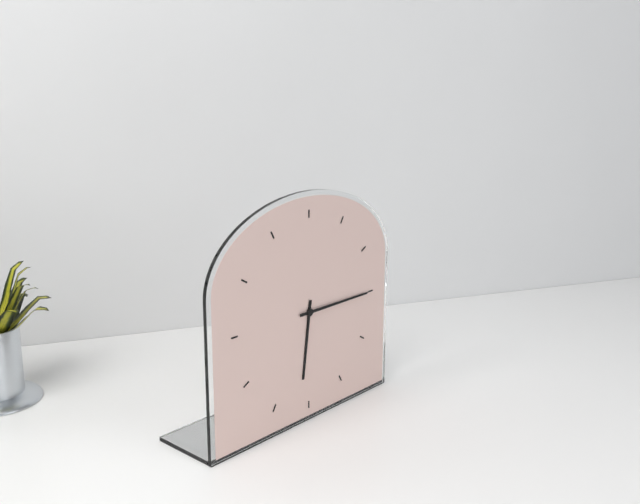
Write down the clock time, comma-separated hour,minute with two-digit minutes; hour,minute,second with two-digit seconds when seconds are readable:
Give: 6,15
